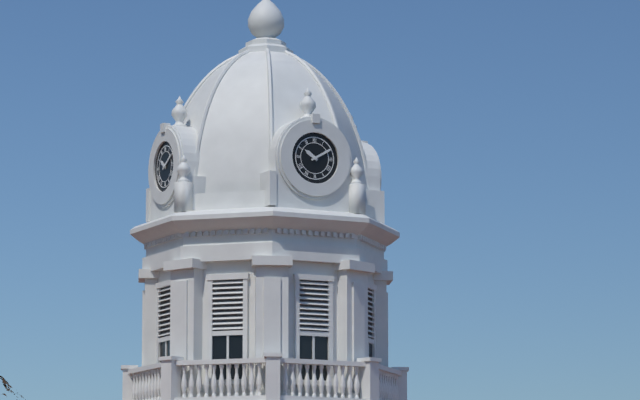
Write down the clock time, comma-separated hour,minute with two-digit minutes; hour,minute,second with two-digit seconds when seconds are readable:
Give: 10,10
